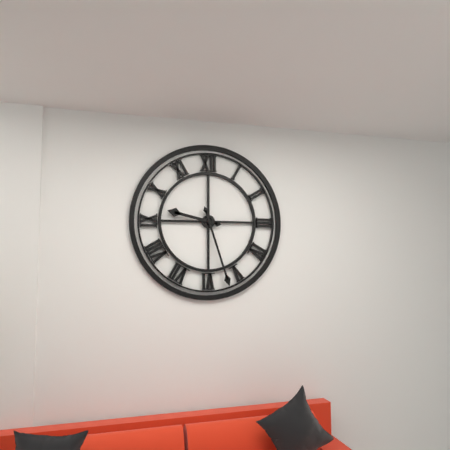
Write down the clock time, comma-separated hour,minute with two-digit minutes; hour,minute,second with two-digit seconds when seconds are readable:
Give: 9,27
